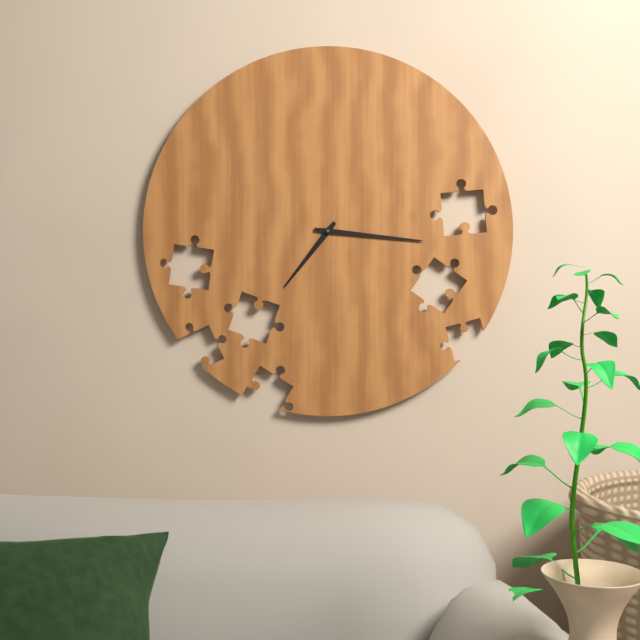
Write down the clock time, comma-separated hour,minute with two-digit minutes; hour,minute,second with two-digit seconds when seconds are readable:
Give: 7,16
